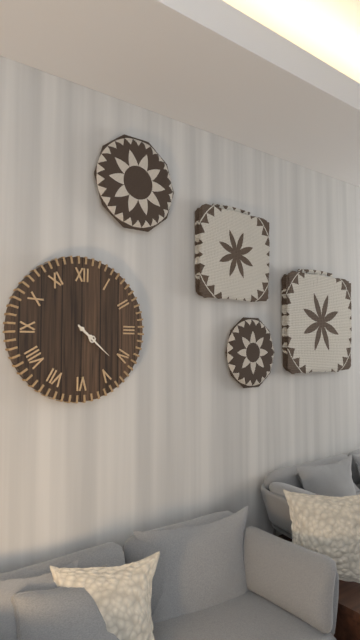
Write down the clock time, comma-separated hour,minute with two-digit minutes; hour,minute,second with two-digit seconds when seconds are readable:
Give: 4,22
